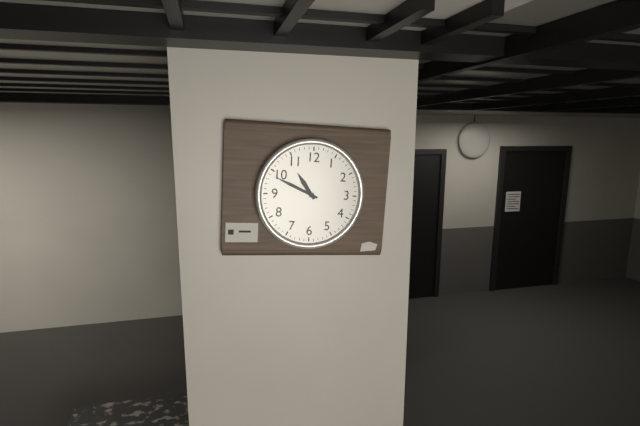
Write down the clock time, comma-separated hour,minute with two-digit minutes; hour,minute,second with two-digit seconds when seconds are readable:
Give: 10,49
